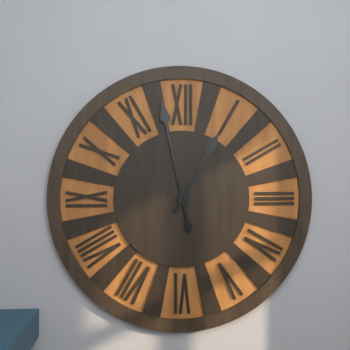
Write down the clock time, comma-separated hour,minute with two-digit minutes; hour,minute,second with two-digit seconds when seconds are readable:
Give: 12,58
